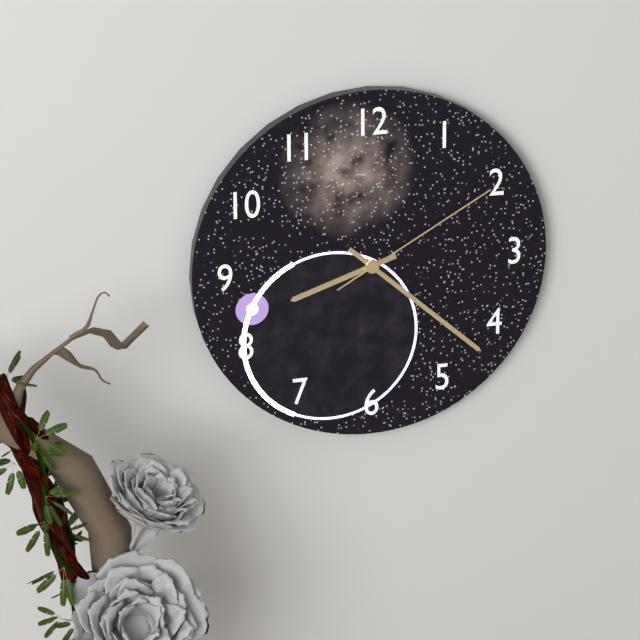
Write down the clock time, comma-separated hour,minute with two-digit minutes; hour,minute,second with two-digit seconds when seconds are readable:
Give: 8,22,10
